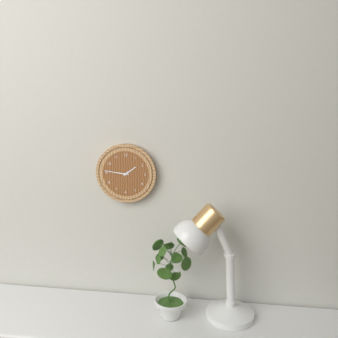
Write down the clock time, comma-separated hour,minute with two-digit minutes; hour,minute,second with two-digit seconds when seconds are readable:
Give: 1,46
